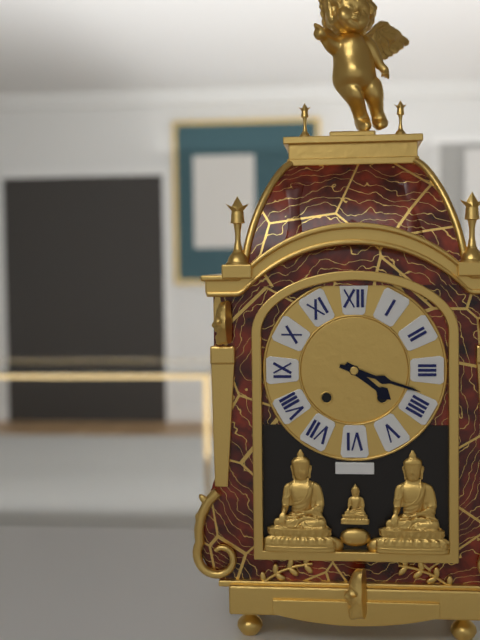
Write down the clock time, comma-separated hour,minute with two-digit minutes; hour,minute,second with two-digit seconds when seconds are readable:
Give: 4,18
